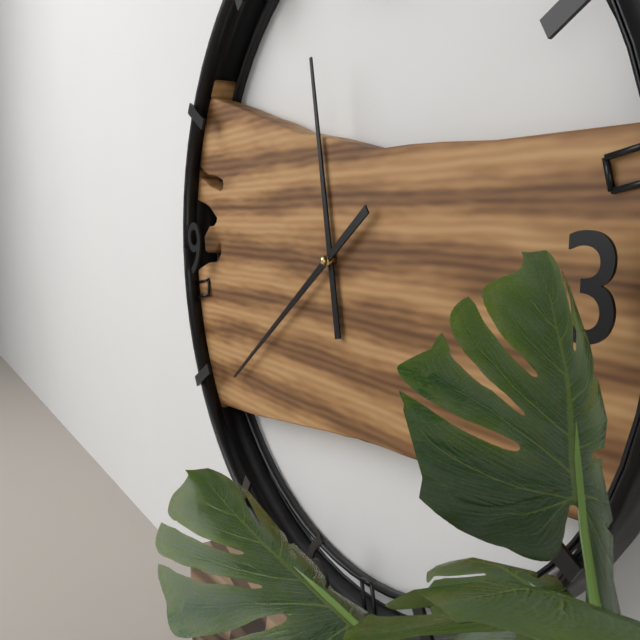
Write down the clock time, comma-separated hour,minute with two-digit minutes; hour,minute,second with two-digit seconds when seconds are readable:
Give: 11,39
